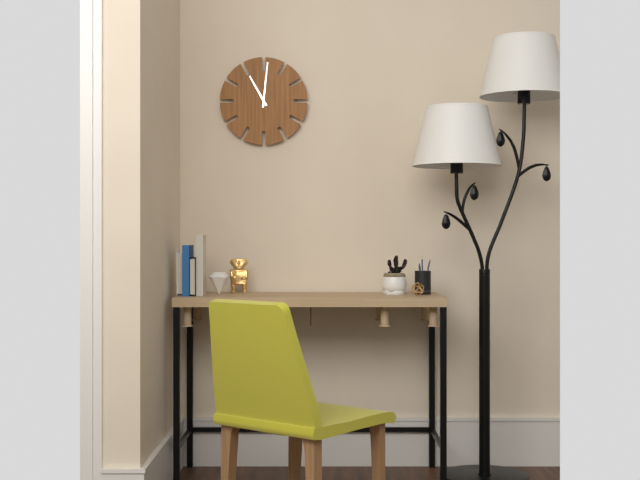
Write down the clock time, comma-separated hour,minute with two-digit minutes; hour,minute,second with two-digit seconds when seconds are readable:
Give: 11,01
